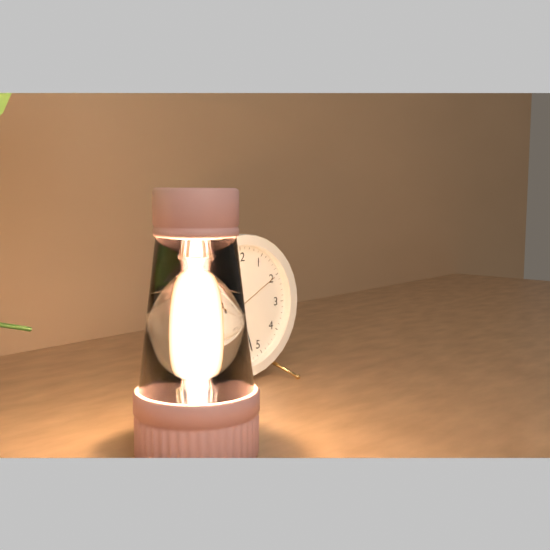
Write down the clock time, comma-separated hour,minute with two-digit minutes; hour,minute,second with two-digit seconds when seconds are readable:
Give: 6,27,10
